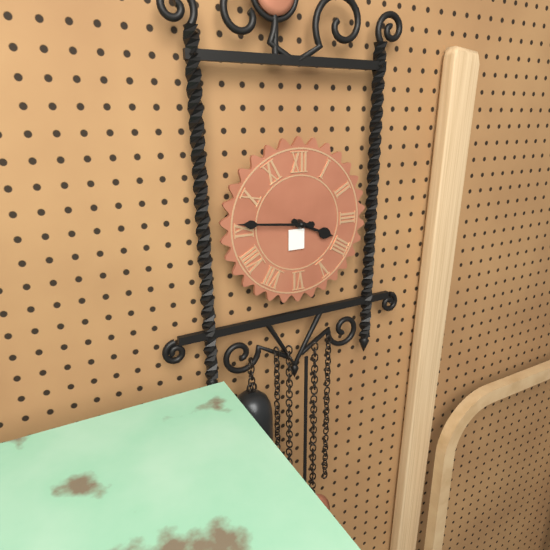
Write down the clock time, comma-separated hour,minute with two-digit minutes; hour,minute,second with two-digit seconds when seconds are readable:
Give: 3,46
